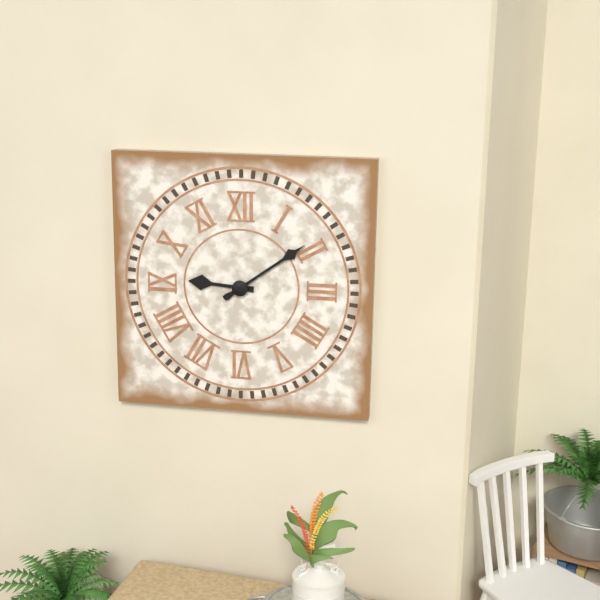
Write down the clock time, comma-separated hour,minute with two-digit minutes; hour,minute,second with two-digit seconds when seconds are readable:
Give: 9,09
